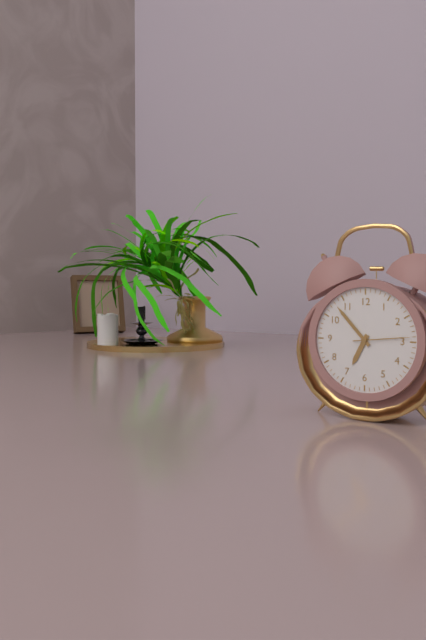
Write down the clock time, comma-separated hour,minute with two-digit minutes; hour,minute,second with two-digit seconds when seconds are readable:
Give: 6,53,14
